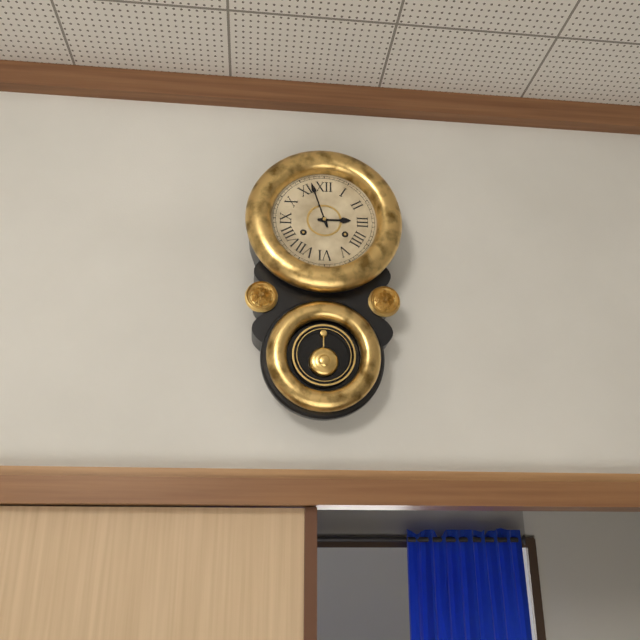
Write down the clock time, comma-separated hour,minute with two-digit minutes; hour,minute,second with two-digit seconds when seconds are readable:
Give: 2,57
